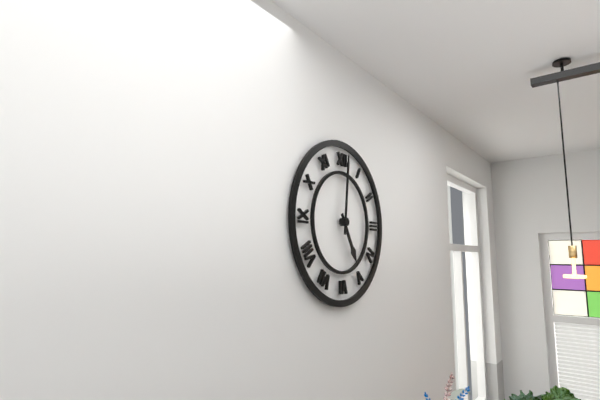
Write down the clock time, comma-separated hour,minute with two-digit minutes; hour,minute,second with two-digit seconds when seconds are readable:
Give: 5,01
